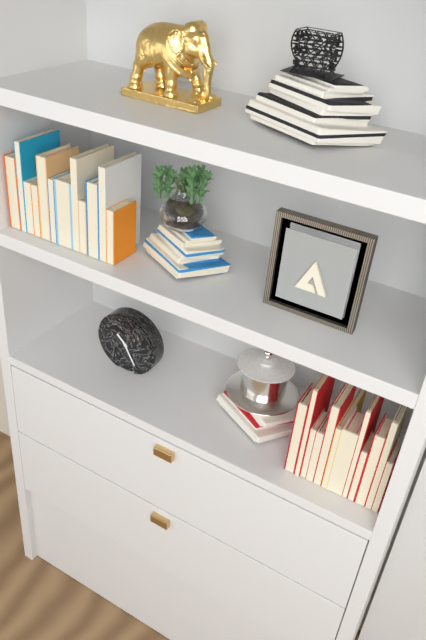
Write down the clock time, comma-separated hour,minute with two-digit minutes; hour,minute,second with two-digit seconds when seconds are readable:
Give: 10,25
